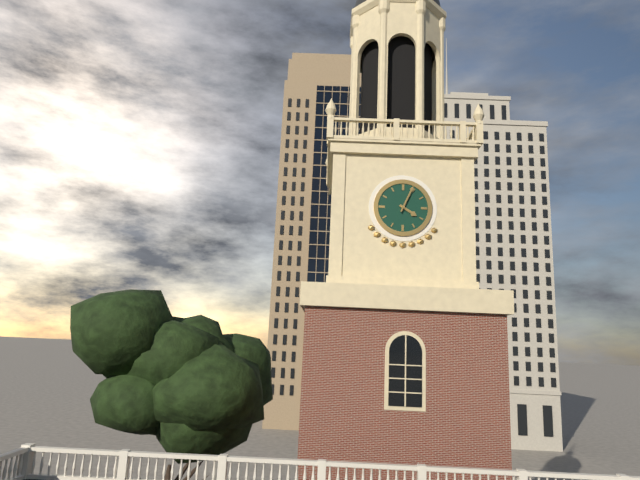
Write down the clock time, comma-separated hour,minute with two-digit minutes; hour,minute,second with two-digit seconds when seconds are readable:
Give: 4,04
